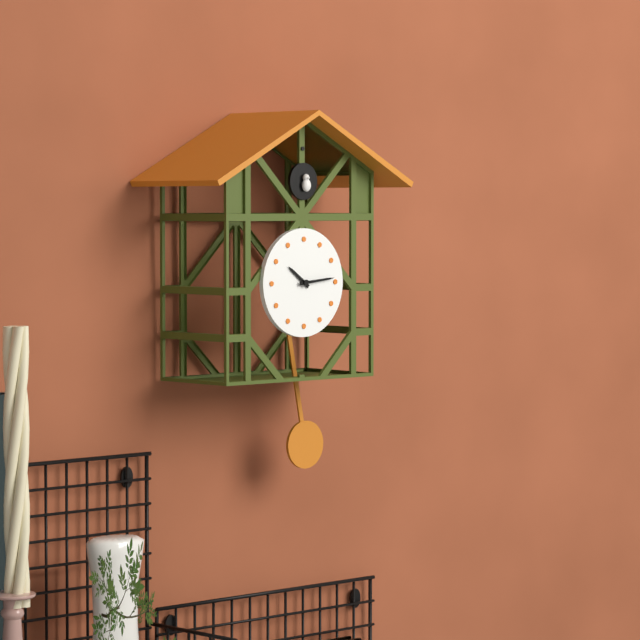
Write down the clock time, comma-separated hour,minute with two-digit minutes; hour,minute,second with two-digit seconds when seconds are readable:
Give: 10,14
